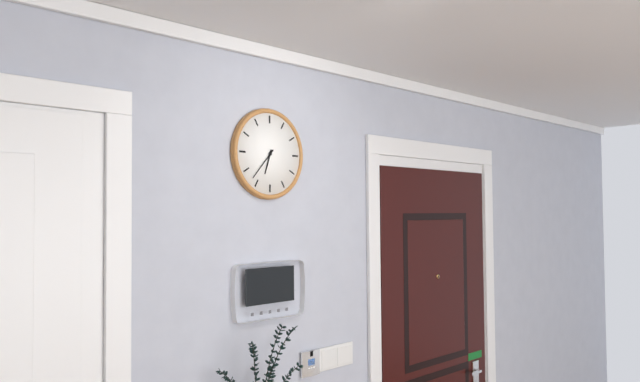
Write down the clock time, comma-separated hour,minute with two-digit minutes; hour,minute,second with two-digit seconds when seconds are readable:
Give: 6,37
